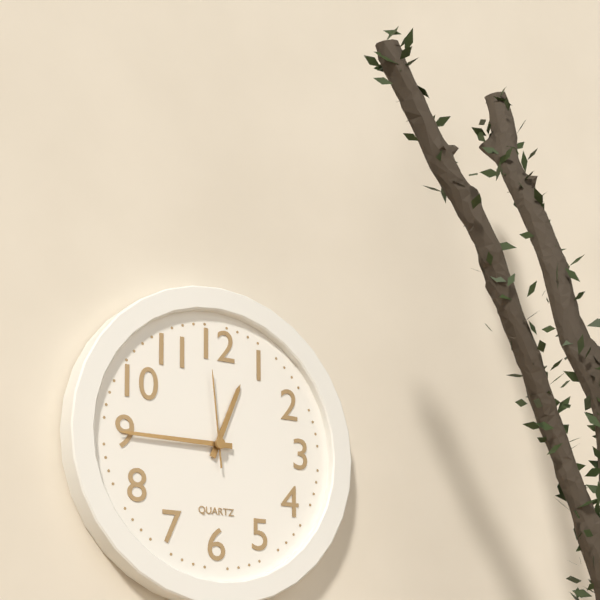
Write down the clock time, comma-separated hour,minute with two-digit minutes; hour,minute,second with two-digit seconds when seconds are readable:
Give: 12,45,59
